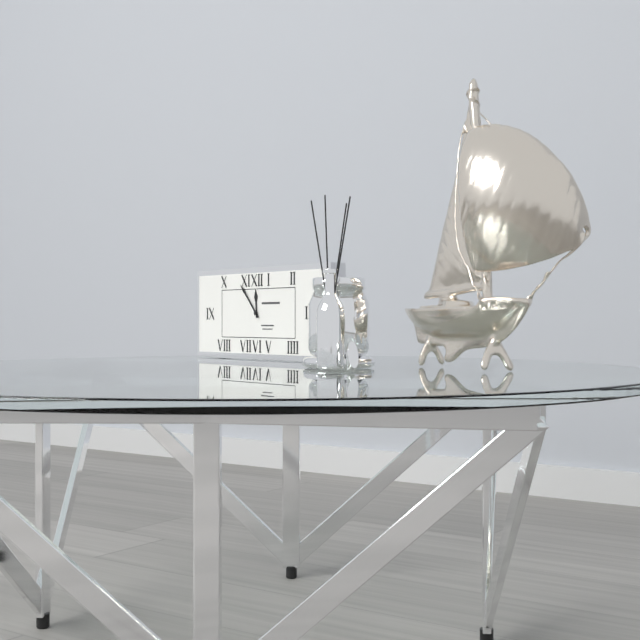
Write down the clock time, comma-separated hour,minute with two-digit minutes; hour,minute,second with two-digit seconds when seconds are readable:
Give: 11,53
